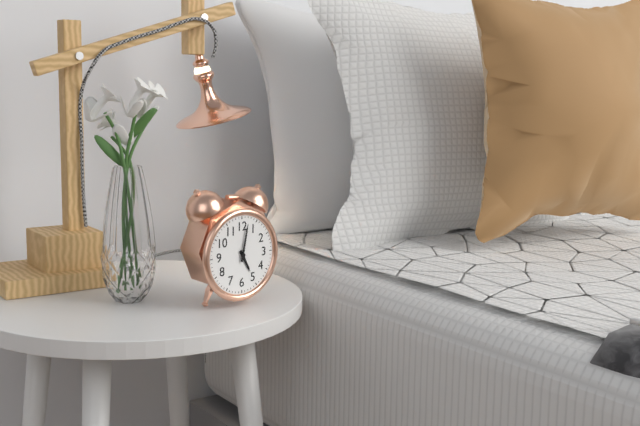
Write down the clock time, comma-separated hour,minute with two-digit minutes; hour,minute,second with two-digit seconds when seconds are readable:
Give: 5,02
